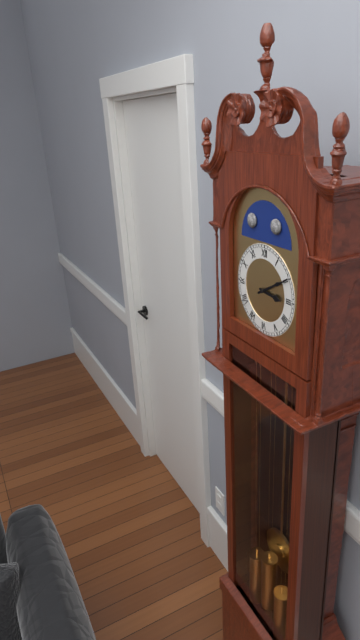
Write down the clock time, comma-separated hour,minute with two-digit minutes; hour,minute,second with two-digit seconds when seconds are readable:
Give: 3,10
